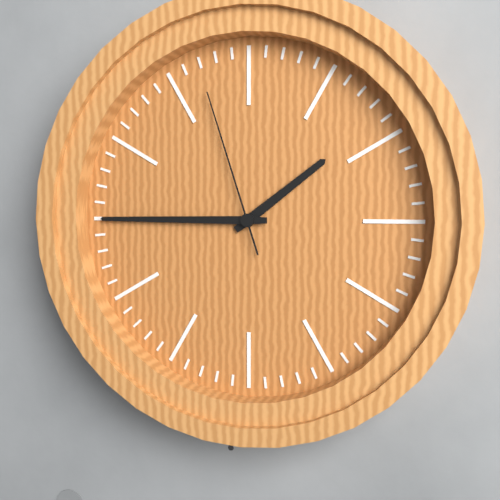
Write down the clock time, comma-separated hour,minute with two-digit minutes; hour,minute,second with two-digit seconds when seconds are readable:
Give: 1,45,57
